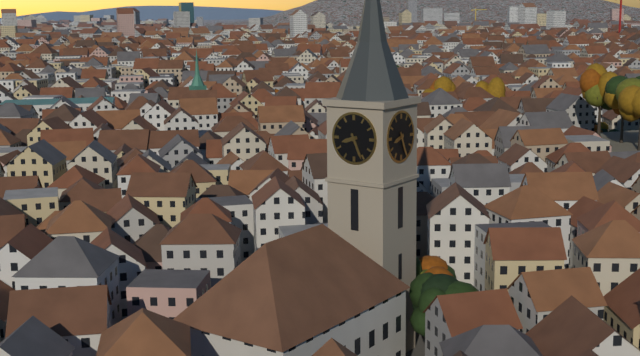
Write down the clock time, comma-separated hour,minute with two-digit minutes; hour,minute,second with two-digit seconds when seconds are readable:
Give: 8,26
